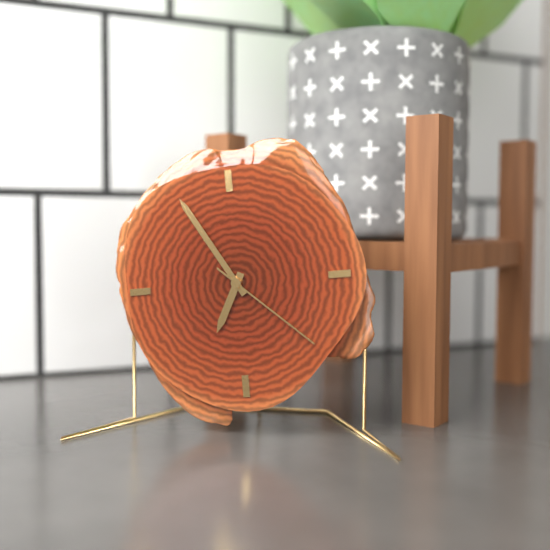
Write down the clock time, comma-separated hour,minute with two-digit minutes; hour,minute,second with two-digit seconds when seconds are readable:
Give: 6,55,22
